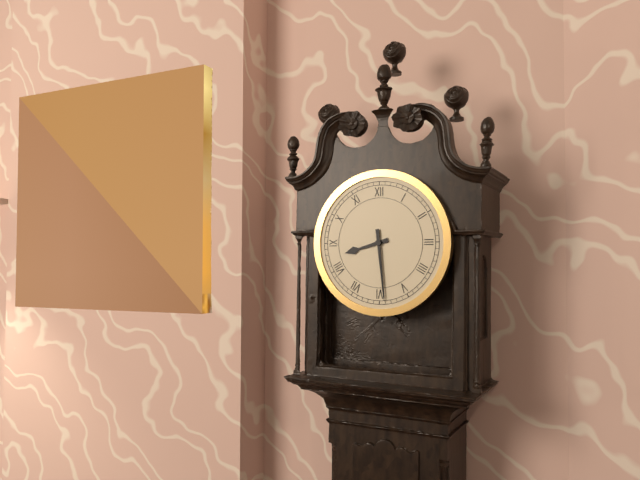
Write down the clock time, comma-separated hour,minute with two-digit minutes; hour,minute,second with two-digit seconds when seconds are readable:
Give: 8,29
